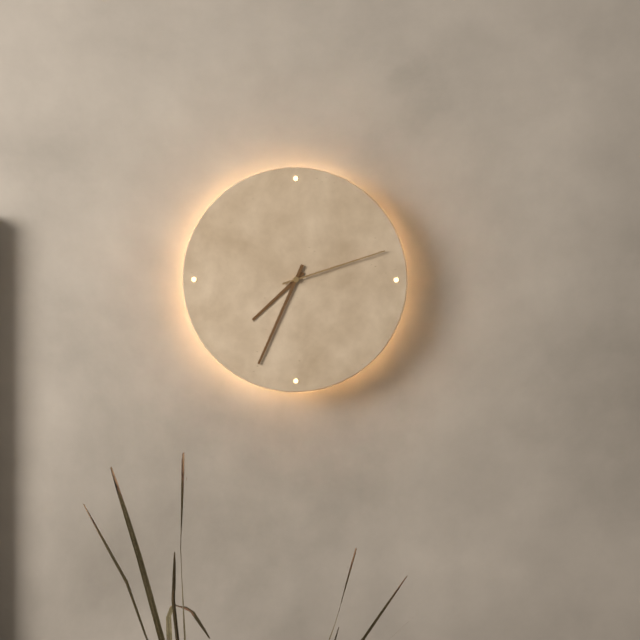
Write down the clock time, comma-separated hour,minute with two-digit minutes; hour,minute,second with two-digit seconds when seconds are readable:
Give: 7,34,12
